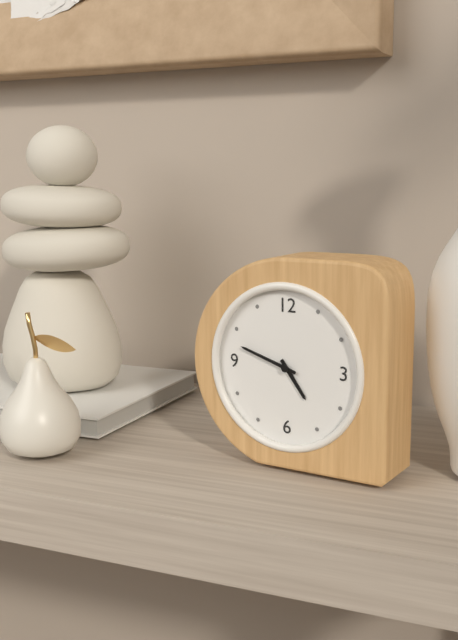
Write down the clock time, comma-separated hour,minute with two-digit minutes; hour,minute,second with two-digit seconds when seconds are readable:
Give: 4,48
